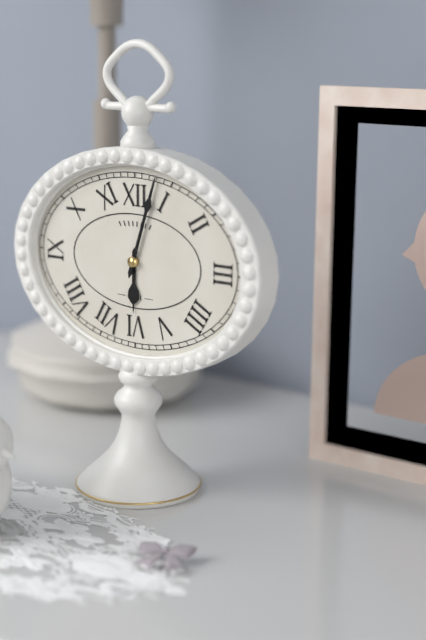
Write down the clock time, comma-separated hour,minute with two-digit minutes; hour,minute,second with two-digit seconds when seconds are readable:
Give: 6,03
